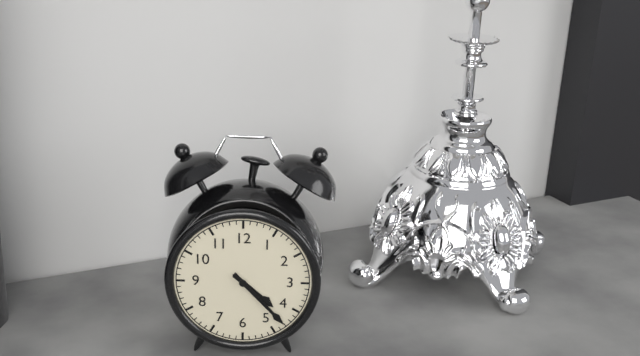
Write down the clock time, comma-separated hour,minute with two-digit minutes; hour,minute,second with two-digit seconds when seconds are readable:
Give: 4,23
